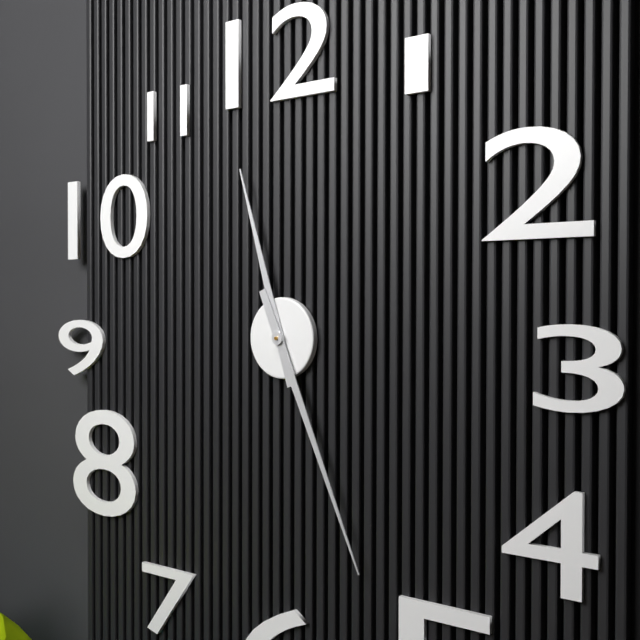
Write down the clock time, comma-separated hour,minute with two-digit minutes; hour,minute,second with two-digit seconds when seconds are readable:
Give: 11,26
